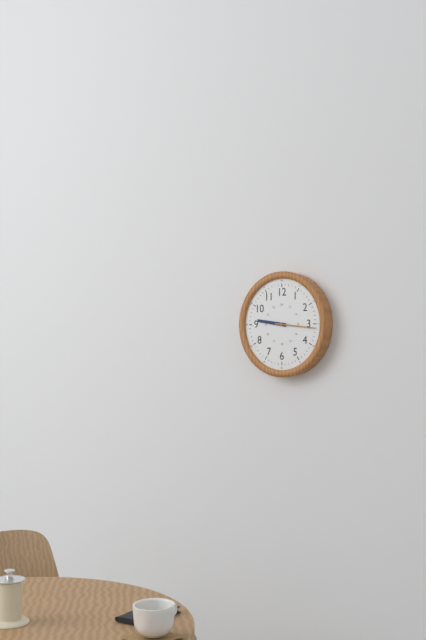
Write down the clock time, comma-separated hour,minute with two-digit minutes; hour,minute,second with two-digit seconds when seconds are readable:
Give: 9,16
